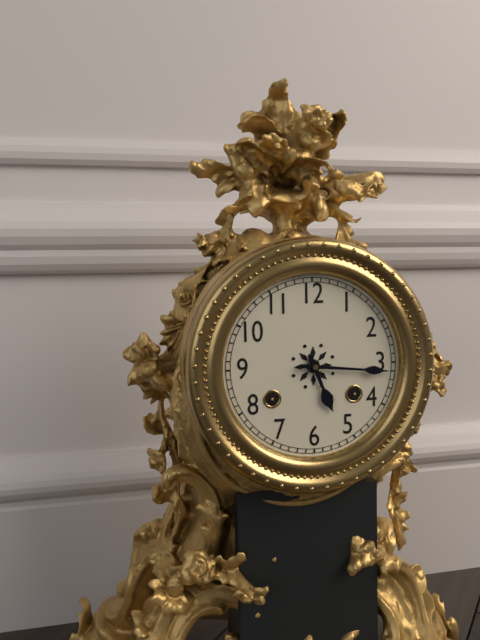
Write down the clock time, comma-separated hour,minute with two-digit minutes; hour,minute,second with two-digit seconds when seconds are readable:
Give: 5,16
